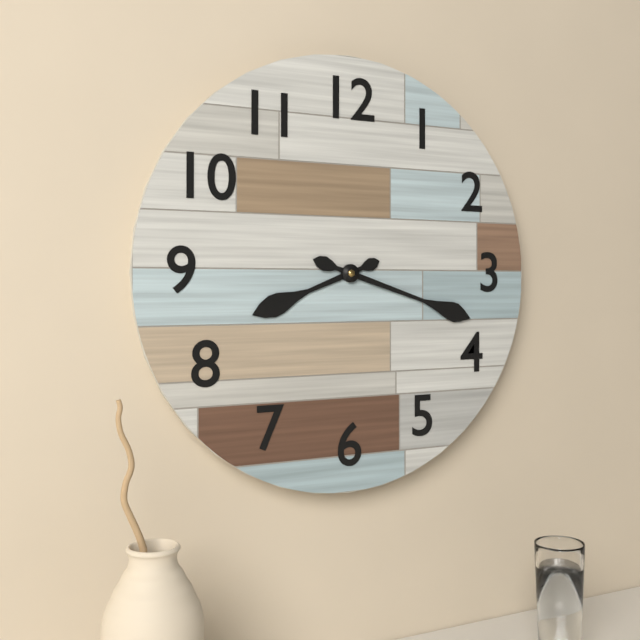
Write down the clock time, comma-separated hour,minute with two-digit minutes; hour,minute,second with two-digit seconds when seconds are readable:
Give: 8,18
